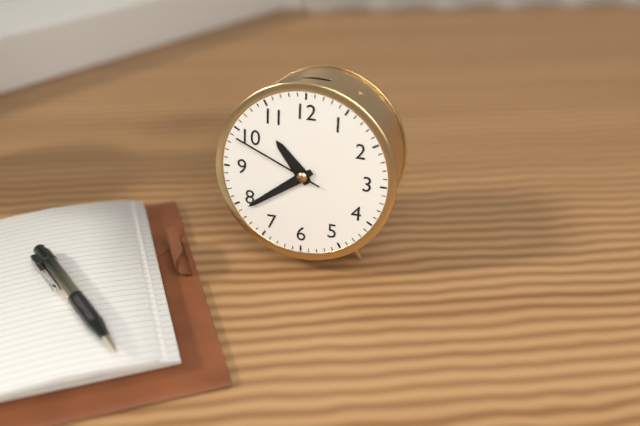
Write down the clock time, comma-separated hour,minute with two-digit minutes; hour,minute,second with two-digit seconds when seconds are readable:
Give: 10,39,49
